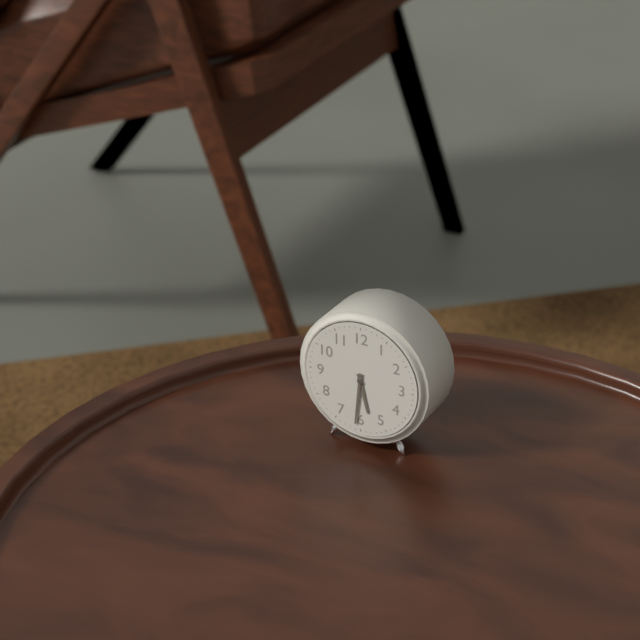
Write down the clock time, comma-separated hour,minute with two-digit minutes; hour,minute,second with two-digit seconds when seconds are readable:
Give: 5,31
